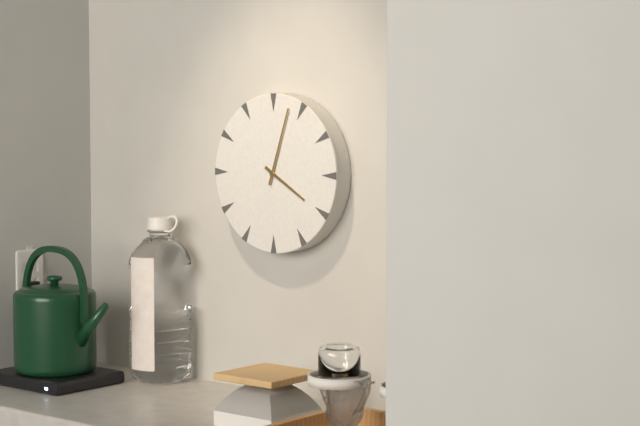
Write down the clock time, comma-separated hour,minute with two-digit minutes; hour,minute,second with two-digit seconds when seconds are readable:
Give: 4,03
